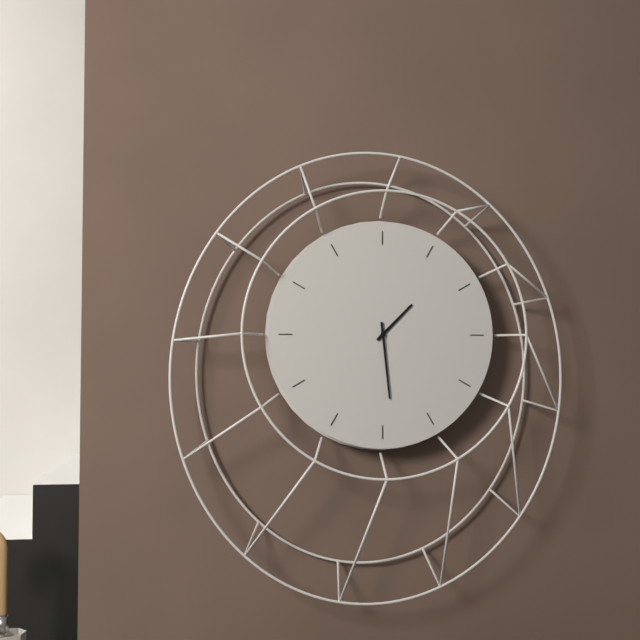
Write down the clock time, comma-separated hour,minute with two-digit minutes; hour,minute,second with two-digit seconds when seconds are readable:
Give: 1,29
